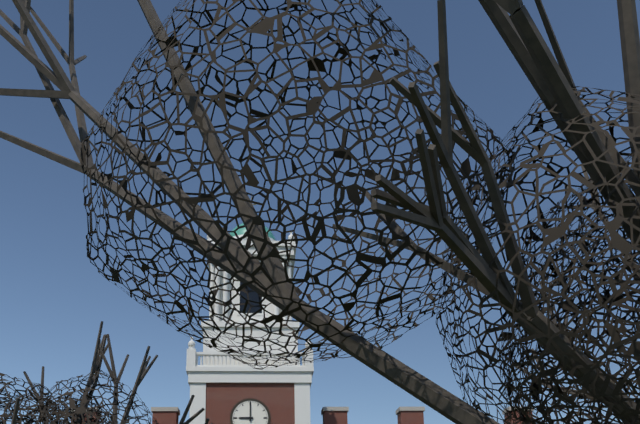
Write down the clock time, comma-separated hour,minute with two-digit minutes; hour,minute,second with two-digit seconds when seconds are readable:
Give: 9,00
